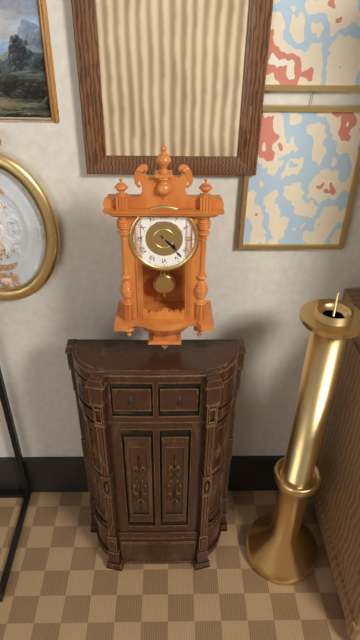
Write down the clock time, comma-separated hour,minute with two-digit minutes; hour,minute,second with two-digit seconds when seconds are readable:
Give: 4,23
